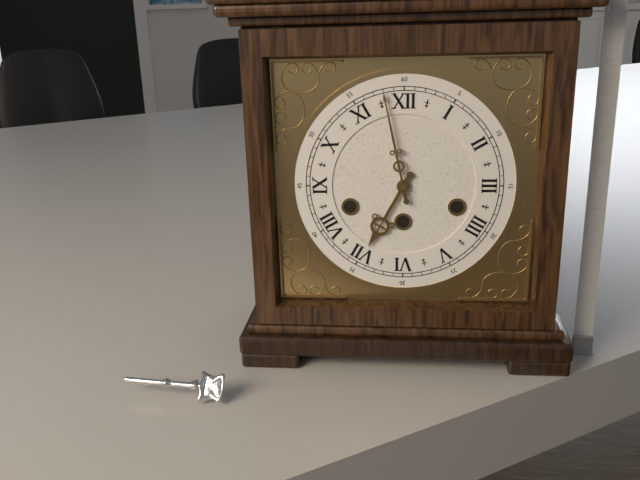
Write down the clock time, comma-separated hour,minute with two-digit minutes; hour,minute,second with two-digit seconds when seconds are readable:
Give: 6,58
